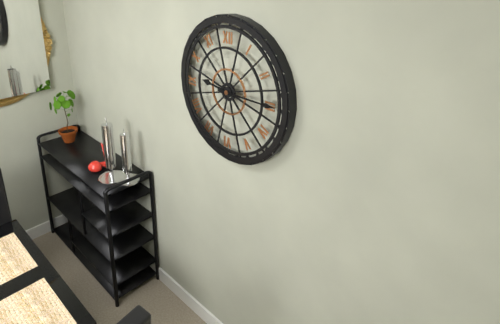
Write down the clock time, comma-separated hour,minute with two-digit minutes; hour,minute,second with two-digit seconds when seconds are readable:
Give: 9,15
